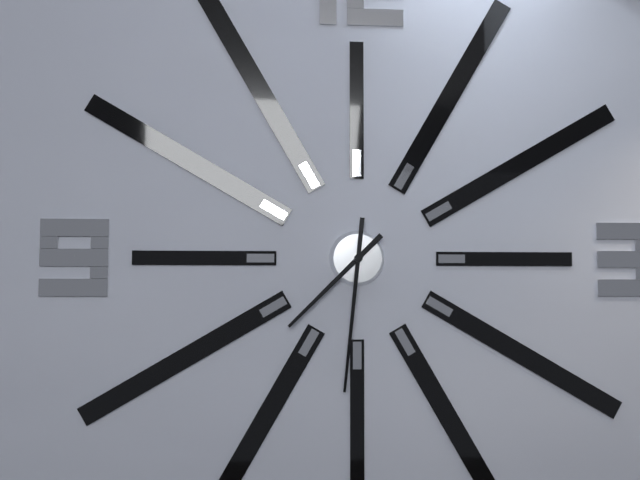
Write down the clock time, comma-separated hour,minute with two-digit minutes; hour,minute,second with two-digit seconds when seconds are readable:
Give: 7,31
